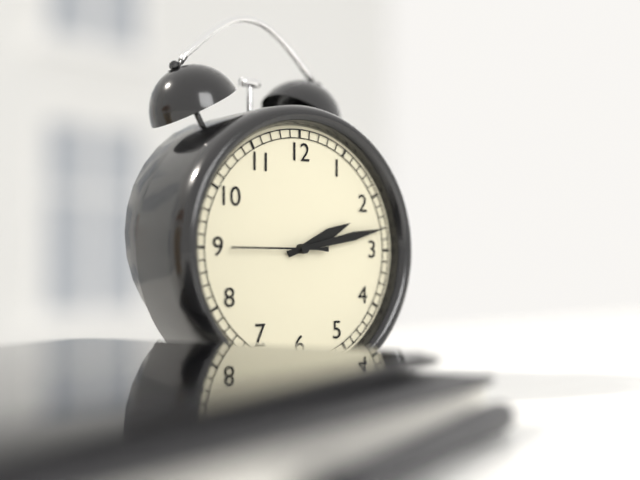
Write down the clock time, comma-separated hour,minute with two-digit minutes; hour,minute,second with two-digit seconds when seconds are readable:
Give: 2,13,45
